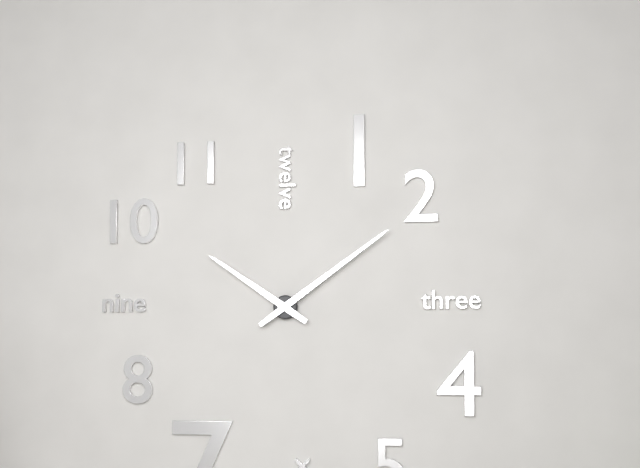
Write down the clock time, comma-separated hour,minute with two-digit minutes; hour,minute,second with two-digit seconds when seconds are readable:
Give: 10,09
